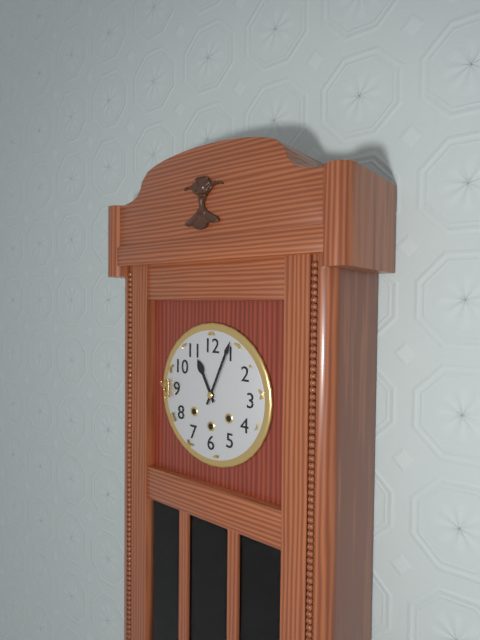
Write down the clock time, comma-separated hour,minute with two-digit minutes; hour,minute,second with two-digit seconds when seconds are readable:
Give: 11,04
